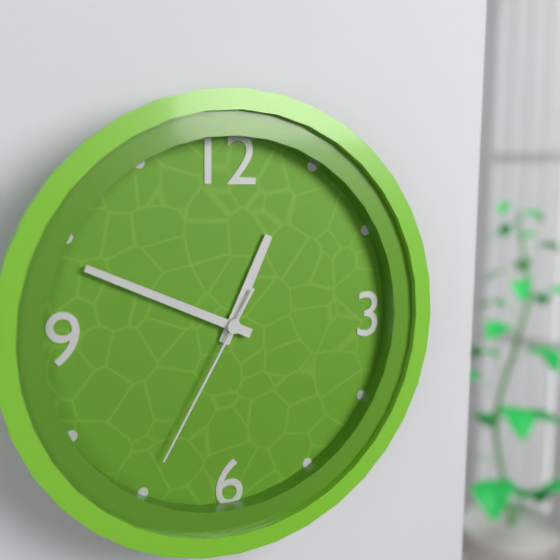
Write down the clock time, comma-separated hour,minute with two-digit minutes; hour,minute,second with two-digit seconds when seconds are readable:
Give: 12,49,35
